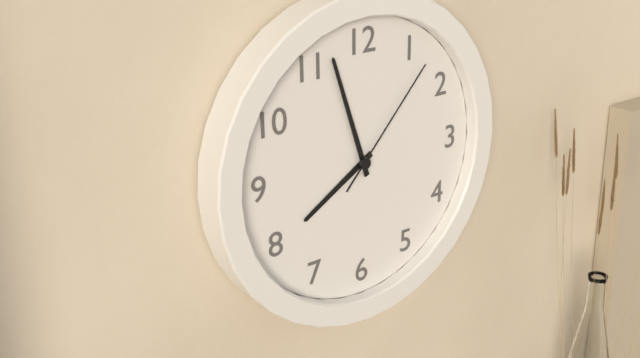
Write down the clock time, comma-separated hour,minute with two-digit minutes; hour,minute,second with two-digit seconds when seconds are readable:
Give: 7,57,07
